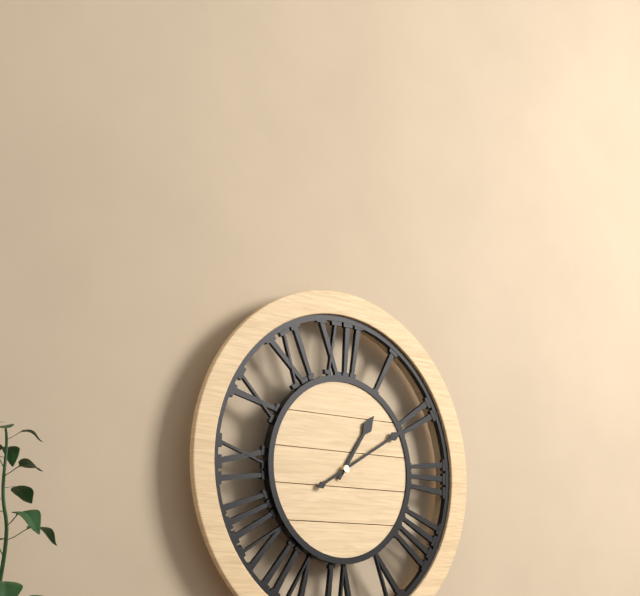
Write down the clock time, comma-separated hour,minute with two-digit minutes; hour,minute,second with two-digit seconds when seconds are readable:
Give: 1,10
